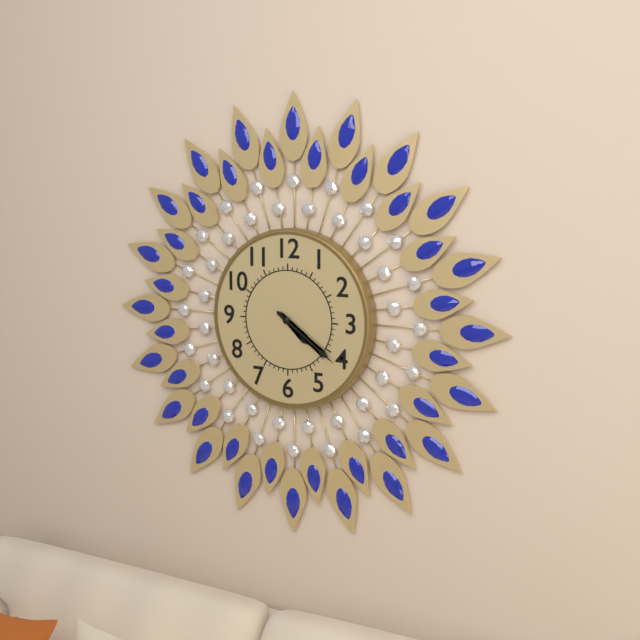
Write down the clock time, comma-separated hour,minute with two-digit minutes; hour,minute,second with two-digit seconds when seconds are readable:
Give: 4,21
